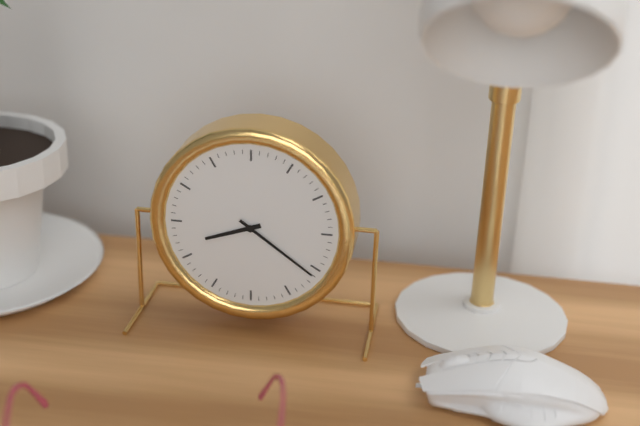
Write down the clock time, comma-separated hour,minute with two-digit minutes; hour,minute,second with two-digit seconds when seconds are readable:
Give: 8,21
